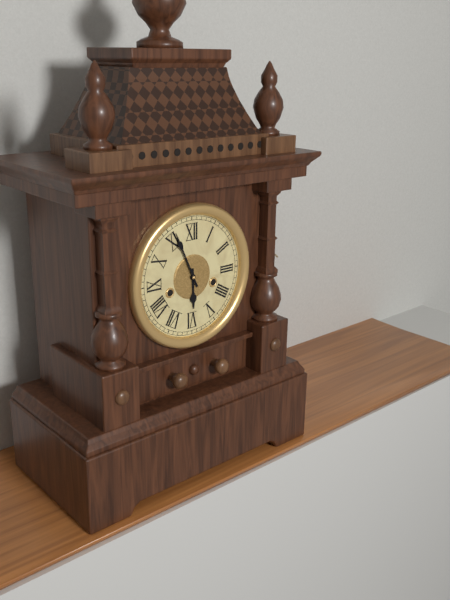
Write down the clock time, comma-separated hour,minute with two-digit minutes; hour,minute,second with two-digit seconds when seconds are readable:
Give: 5,56
